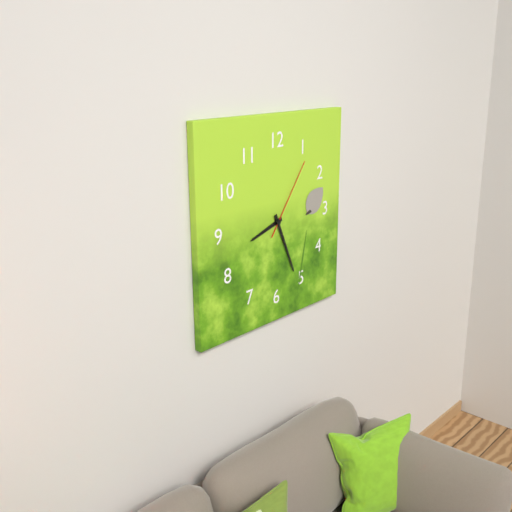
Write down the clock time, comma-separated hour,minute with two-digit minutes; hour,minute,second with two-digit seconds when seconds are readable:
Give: 8,26,06
